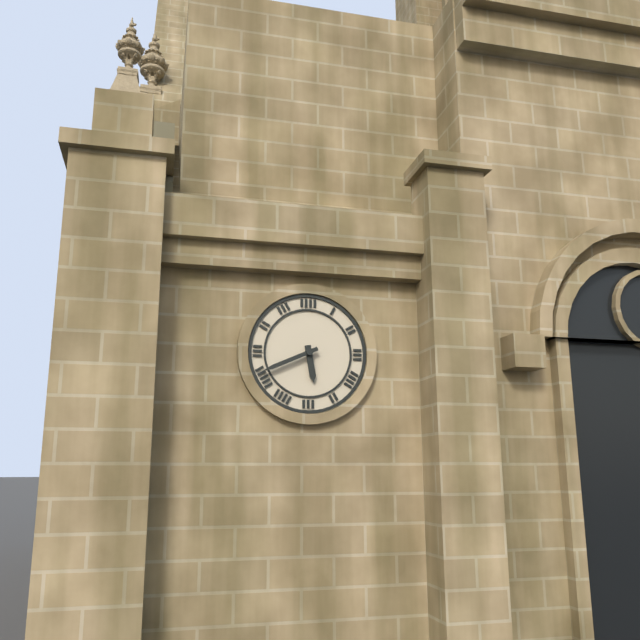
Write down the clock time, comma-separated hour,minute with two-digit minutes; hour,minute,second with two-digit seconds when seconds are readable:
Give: 5,41
